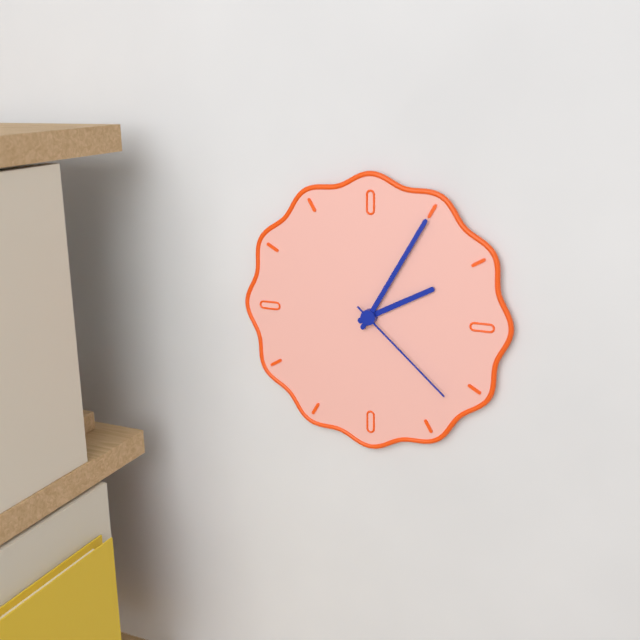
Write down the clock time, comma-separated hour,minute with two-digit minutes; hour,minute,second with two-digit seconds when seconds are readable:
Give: 2,05,22
